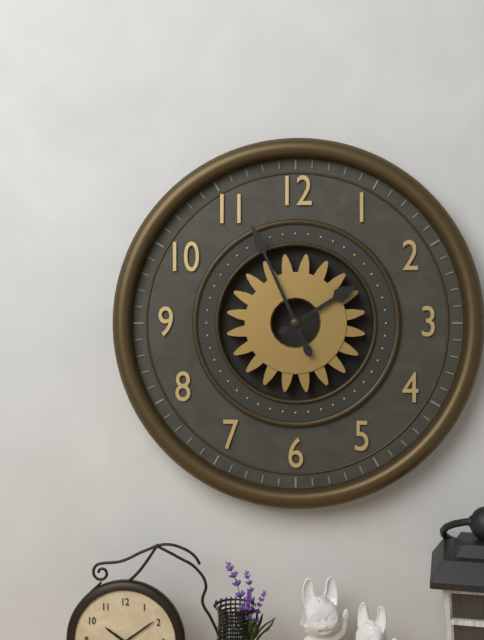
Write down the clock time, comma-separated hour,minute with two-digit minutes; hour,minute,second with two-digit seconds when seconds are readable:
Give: 1,56
